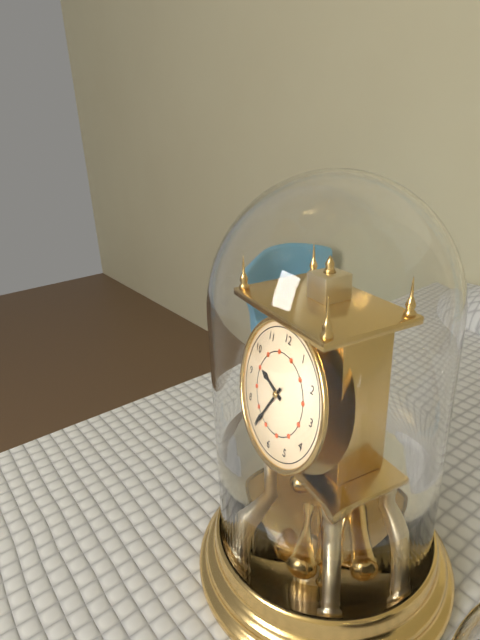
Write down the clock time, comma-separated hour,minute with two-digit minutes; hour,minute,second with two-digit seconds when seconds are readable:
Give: 9,35
